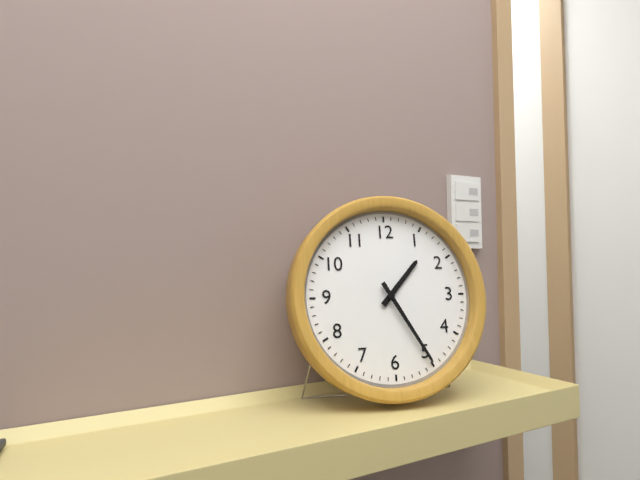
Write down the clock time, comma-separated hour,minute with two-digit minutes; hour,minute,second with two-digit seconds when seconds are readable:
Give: 1,25
